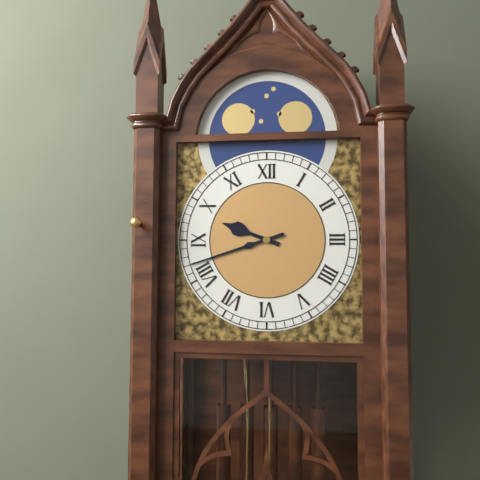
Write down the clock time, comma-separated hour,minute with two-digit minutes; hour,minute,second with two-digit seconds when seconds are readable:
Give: 9,42
